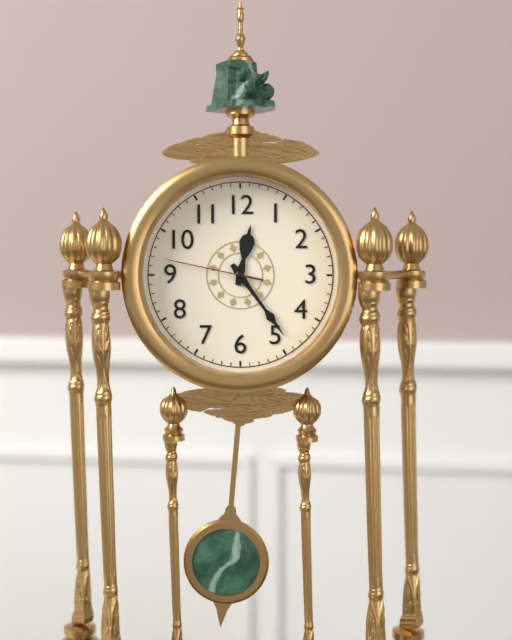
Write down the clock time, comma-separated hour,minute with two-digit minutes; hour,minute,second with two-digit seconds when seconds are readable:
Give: 12,24,47
